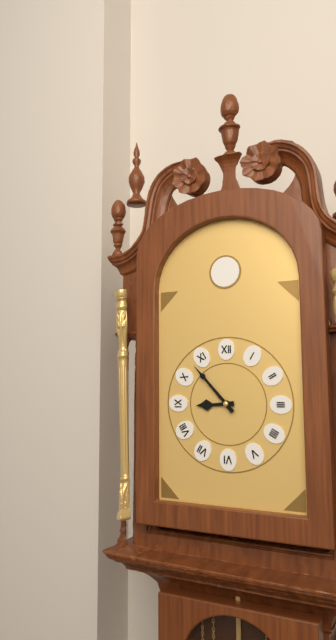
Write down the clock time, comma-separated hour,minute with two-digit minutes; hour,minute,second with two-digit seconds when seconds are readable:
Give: 8,53
